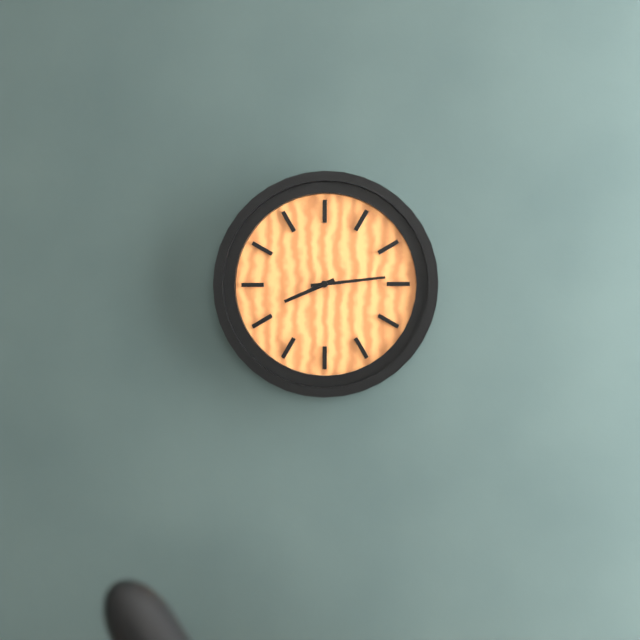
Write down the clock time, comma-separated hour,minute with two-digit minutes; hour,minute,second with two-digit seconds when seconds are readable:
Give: 8,14
